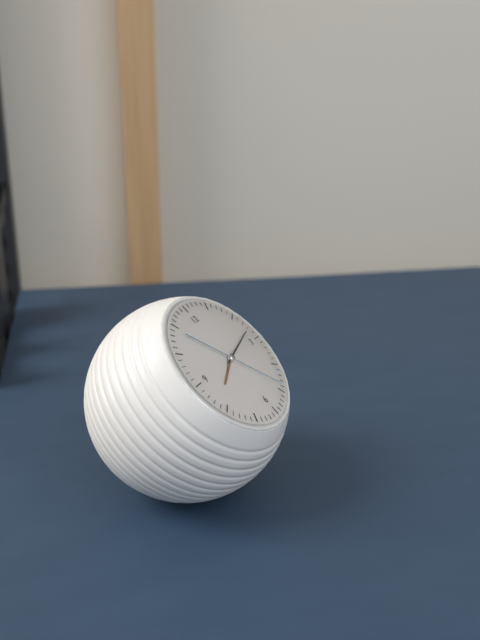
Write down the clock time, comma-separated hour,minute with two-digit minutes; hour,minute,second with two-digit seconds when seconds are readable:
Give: 8,13,24
